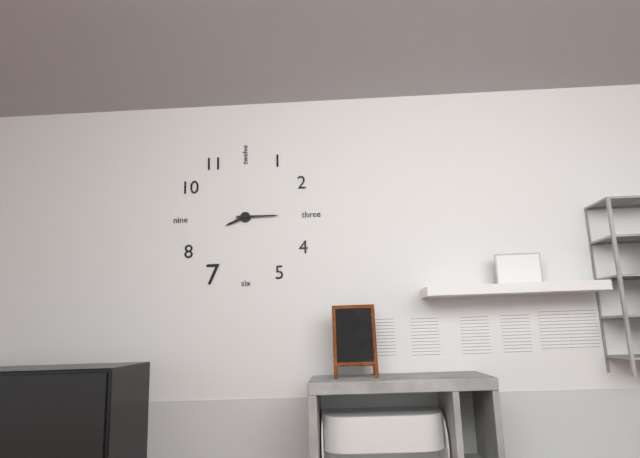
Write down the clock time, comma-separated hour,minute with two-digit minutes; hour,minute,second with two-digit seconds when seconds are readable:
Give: 8,15
